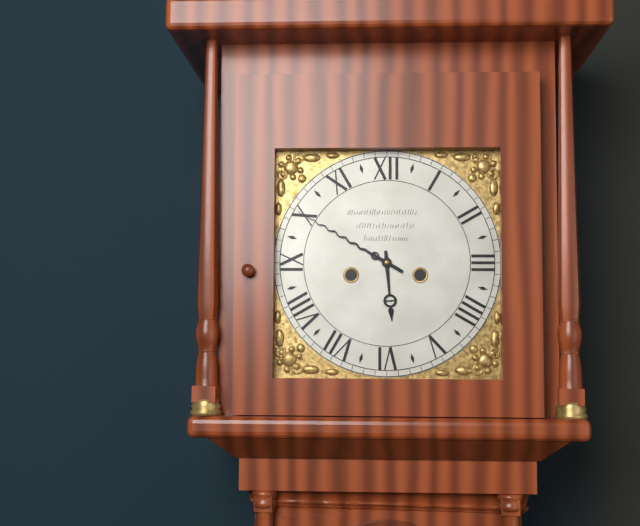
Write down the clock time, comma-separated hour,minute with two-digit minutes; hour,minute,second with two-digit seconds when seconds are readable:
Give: 5,50
